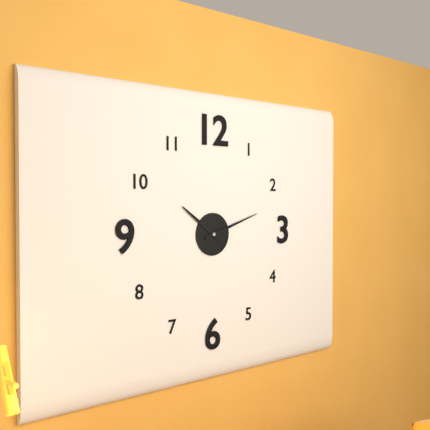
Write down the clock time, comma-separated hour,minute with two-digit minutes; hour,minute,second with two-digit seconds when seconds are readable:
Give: 10,12
